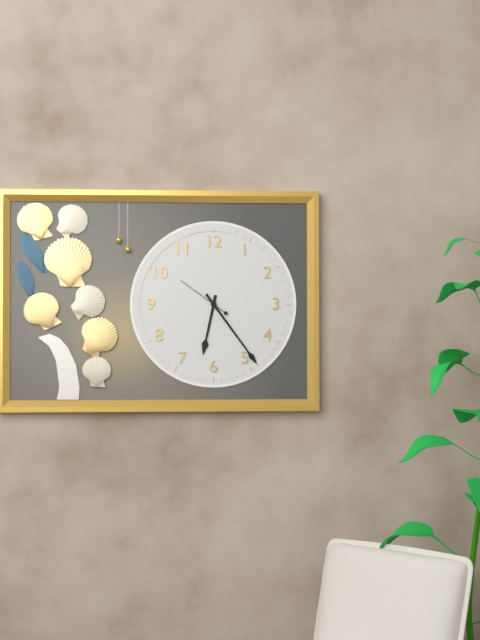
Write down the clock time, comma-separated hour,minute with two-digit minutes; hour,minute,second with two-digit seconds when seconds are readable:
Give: 6,24,51
